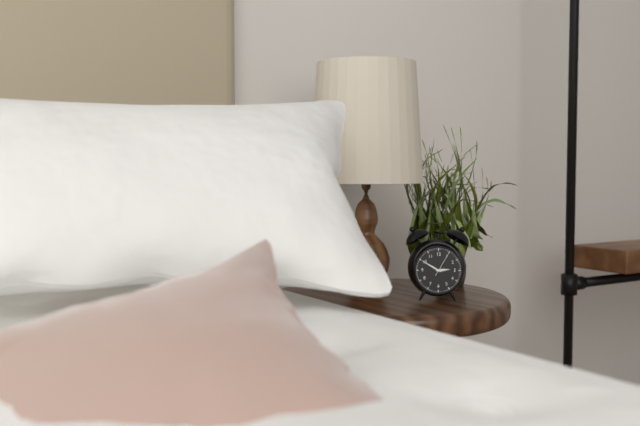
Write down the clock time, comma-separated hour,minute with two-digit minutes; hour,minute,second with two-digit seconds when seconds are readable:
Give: 2,50
